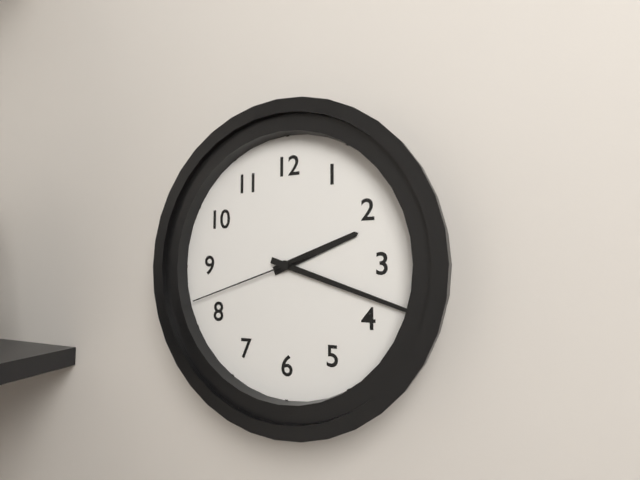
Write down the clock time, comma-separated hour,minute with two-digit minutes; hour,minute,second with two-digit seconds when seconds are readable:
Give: 2,18,42
